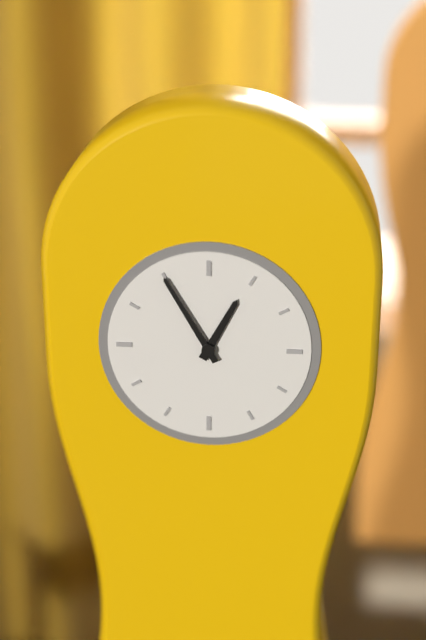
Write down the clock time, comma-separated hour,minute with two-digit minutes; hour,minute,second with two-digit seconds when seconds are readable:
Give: 12,55
